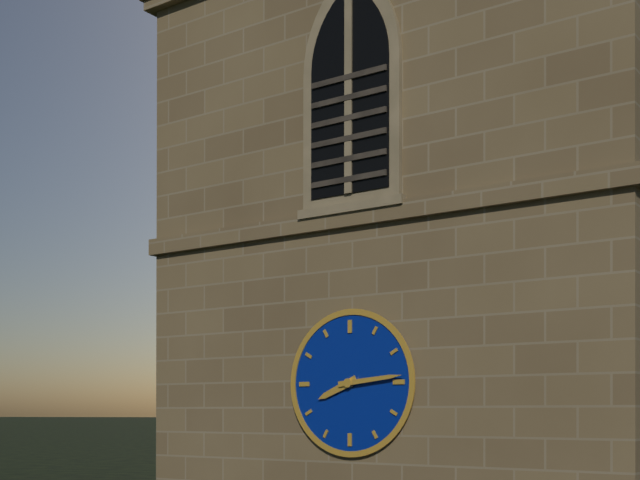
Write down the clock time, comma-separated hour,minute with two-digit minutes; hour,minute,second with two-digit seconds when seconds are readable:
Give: 8,14
